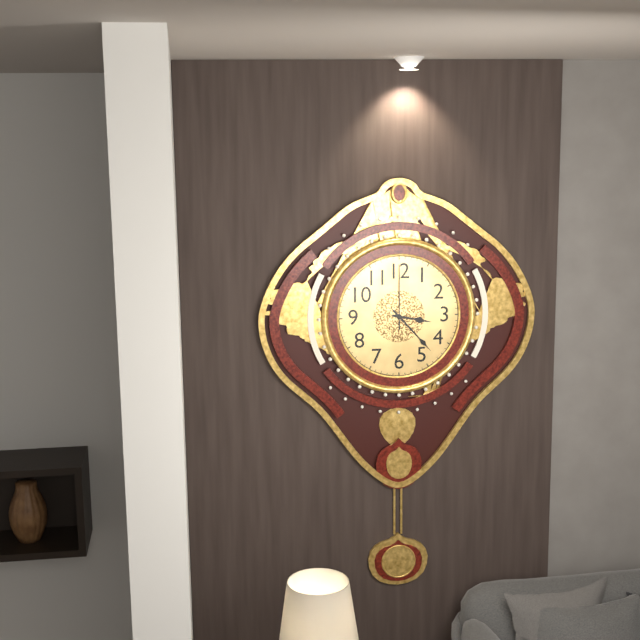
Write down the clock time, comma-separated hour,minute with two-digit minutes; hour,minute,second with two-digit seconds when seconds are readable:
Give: 3,23,00
